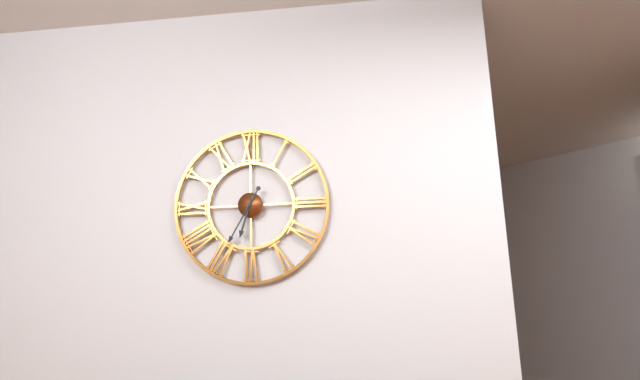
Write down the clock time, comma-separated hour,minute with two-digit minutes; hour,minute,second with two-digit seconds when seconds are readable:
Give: 6,35
